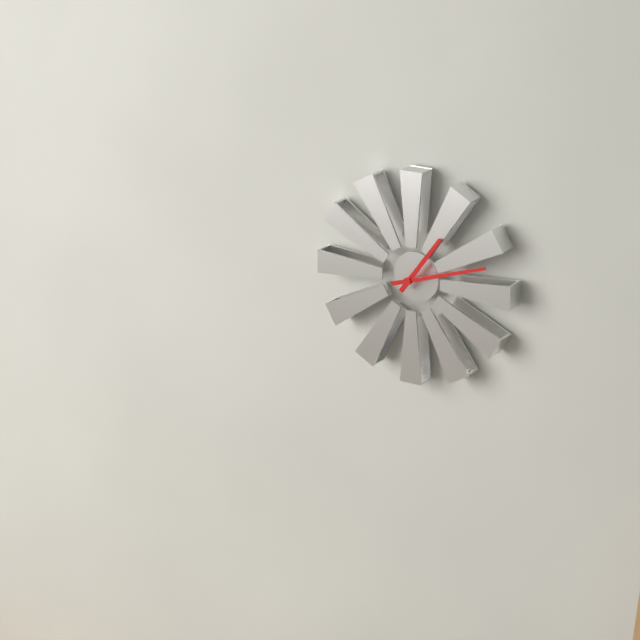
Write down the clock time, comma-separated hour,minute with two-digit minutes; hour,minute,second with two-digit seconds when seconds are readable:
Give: 1,12
